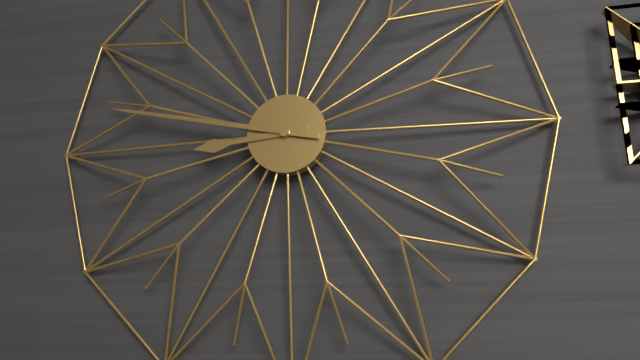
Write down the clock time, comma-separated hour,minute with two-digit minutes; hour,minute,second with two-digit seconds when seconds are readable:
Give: 8,47
